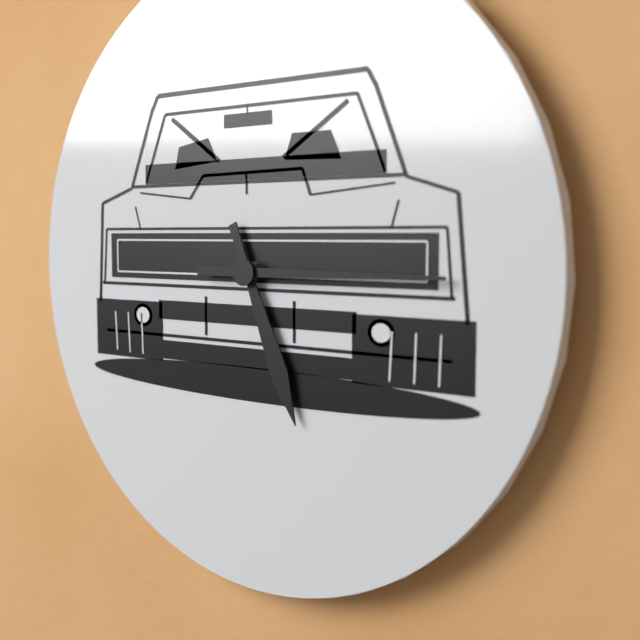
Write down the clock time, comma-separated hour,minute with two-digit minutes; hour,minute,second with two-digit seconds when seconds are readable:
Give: 5,15
